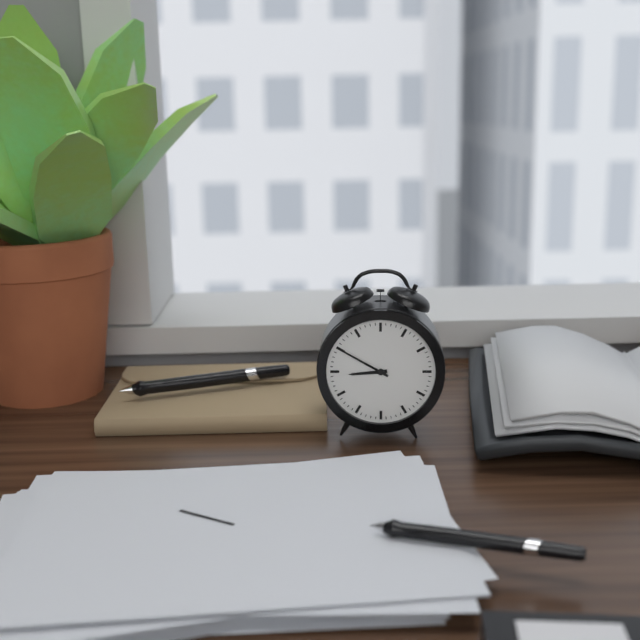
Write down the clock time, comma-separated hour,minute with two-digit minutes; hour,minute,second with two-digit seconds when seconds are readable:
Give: 8,50
